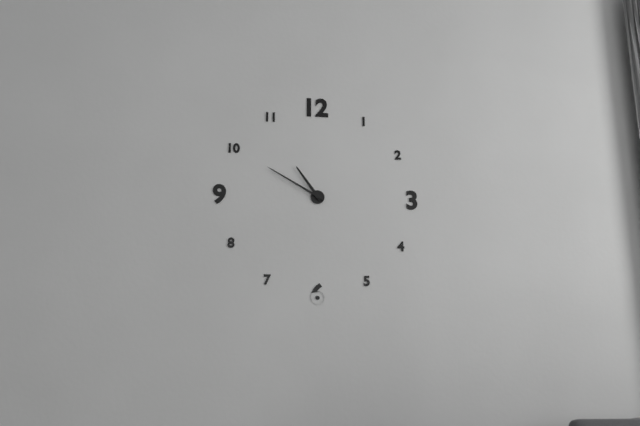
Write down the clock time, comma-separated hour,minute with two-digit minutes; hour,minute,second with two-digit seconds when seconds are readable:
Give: 10,50
